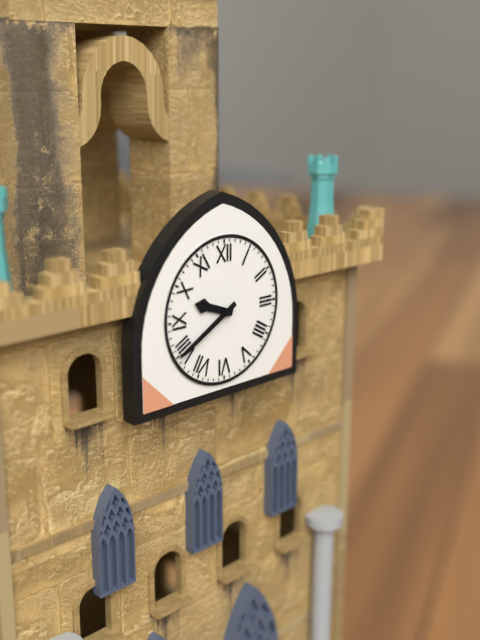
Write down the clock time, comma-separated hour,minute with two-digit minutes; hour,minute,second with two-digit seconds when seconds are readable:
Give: 9,40
